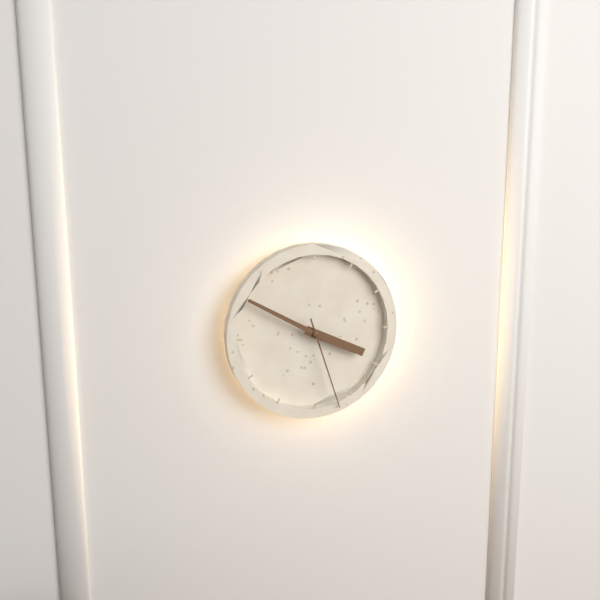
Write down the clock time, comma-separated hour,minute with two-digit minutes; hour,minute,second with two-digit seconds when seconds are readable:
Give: 3,50,27
